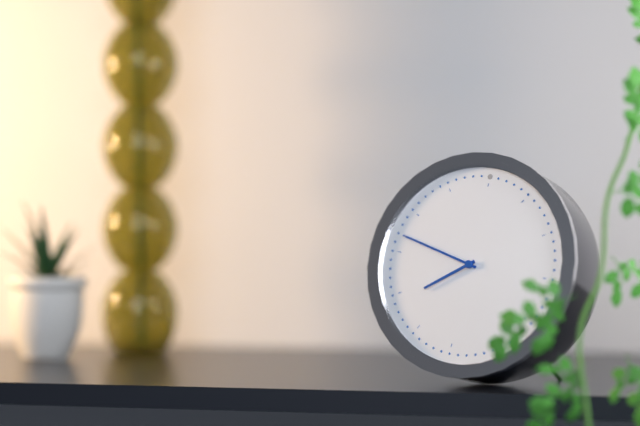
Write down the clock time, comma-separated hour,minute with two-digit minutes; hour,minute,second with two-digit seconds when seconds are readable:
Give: 7,47
